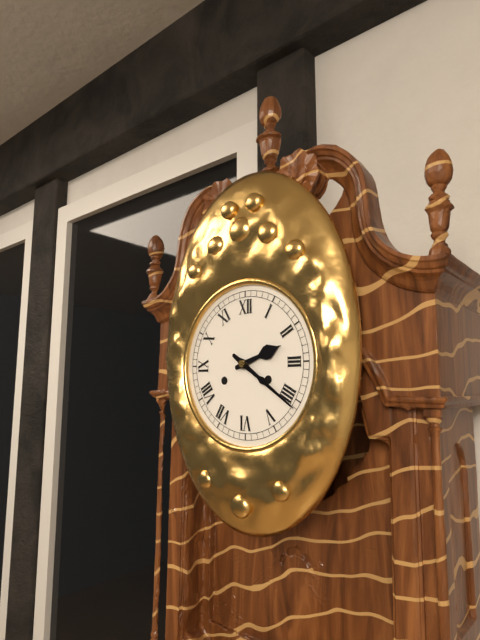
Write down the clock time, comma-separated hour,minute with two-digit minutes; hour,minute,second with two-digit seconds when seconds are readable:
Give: 2,21
